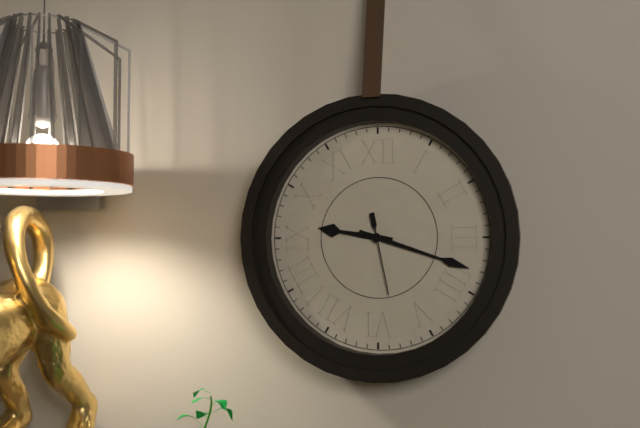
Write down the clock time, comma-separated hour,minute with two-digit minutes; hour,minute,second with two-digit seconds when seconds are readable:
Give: 9,18,28
